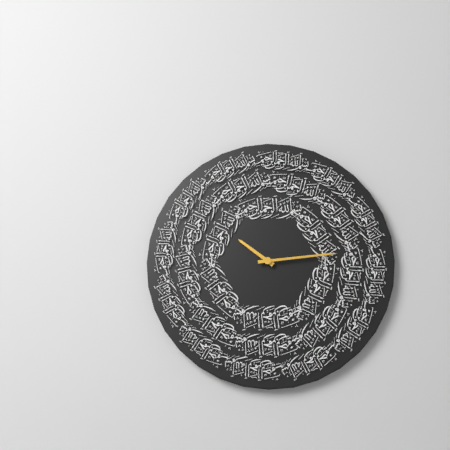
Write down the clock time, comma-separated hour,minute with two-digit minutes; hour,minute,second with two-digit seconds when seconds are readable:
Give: 10,14
